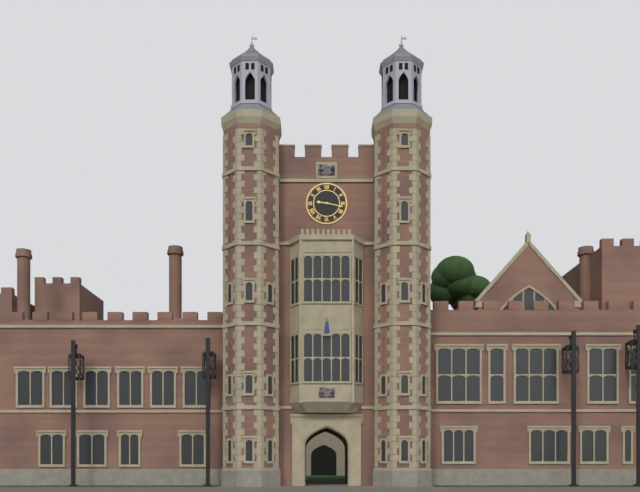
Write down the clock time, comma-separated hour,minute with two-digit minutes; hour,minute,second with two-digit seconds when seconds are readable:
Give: 9,17
